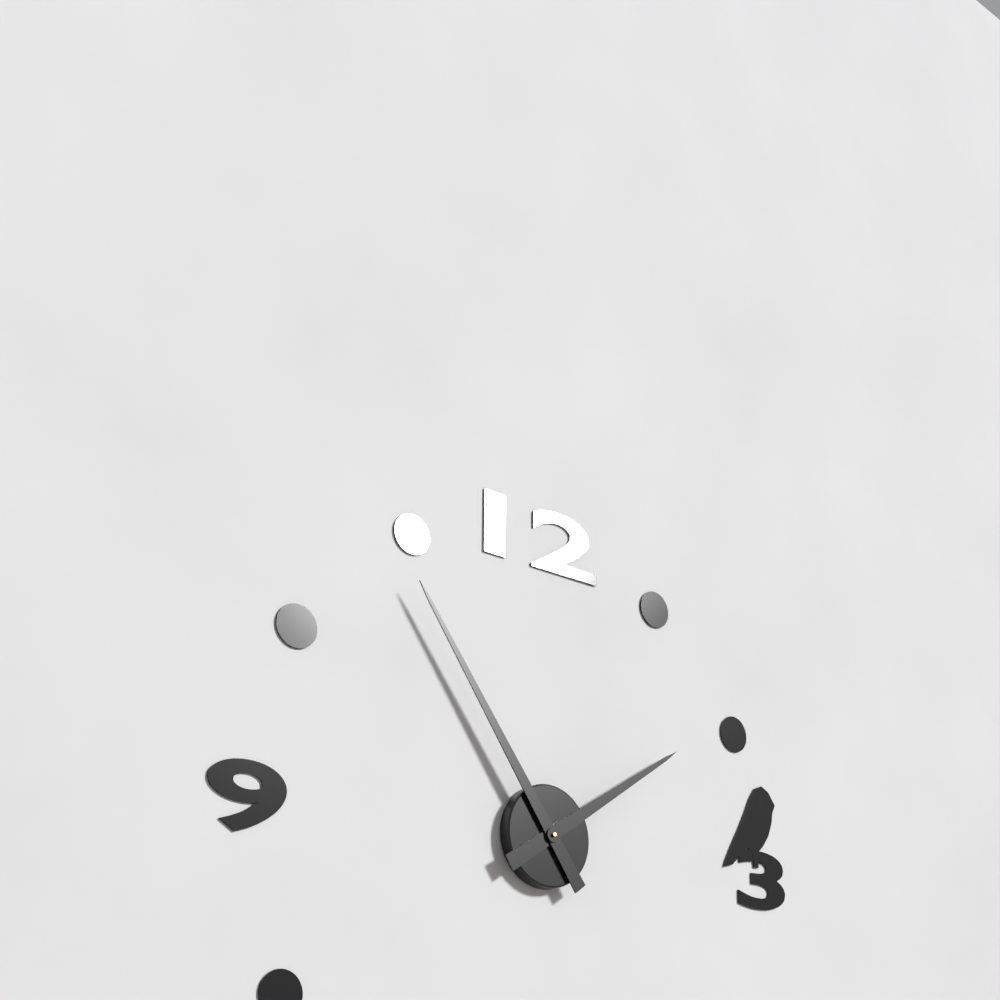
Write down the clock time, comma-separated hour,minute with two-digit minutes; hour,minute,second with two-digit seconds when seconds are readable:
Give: 1,54
